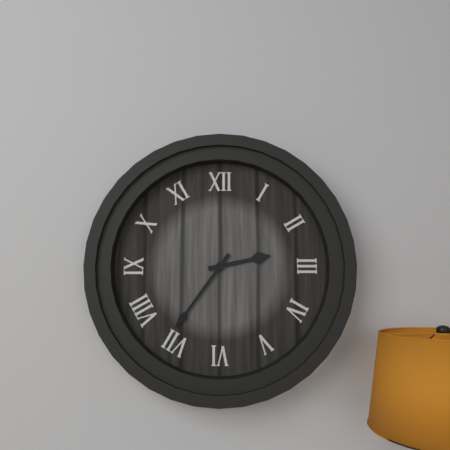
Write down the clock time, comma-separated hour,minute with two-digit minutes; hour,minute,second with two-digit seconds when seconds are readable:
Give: 2,36
